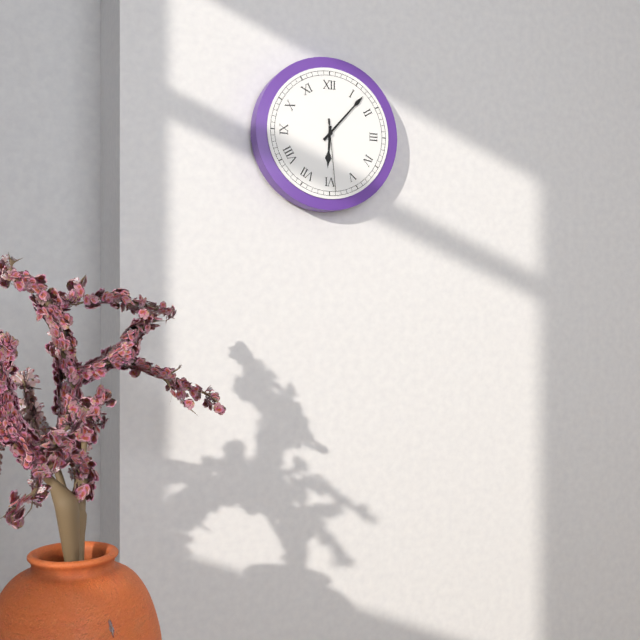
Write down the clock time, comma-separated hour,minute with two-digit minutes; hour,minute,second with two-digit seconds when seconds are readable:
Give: 6,07,29
